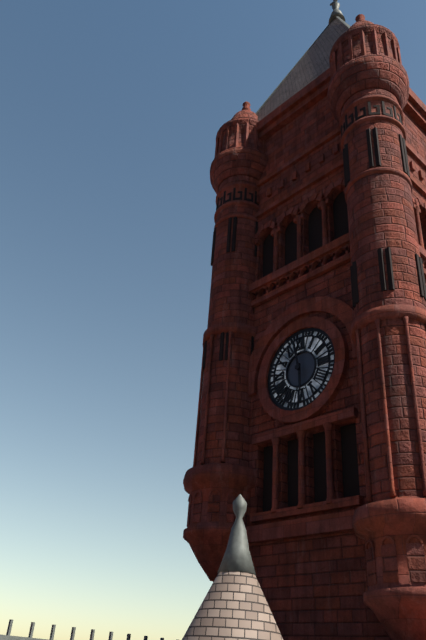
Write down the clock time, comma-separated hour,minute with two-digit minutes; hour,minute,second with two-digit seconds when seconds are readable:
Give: 5,58
